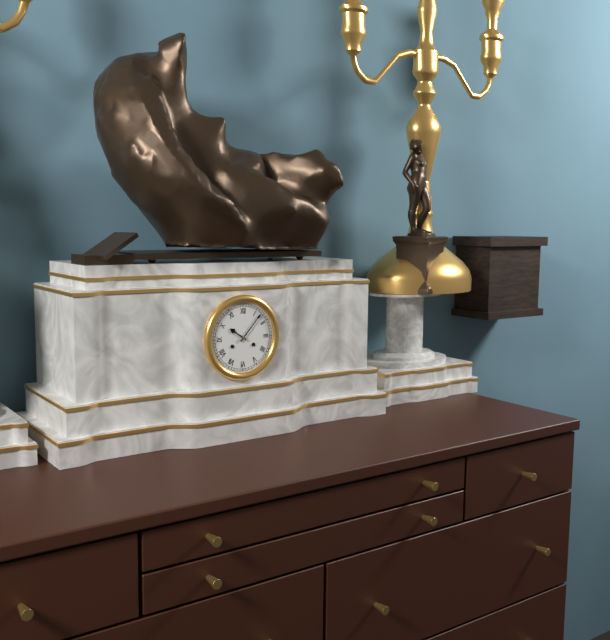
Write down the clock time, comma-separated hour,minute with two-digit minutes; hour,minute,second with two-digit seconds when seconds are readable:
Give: 10,07
